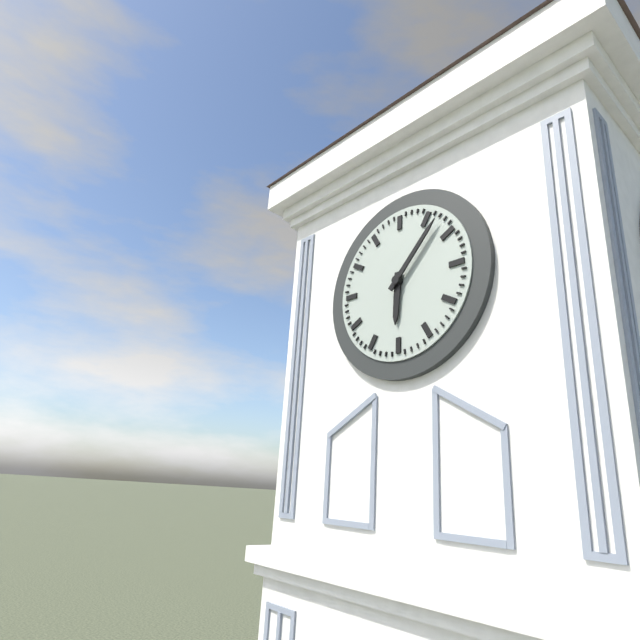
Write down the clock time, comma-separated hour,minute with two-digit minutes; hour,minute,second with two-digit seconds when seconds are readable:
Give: 6,07
